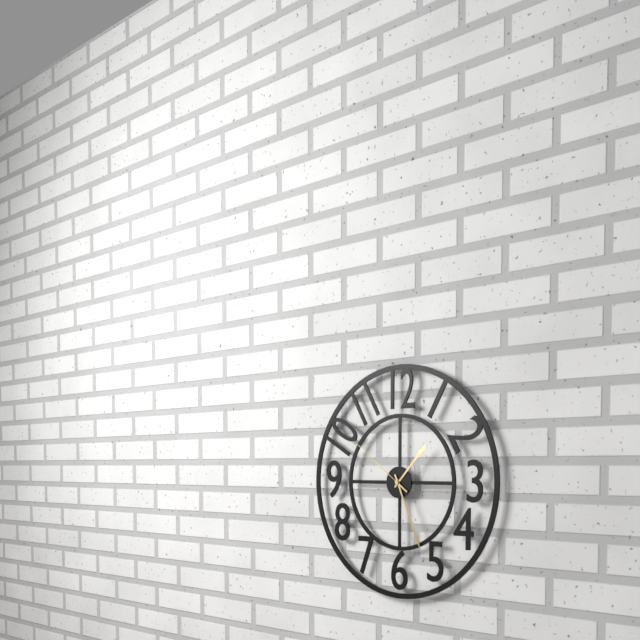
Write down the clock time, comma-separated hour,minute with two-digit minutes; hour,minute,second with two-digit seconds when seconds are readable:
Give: 1,26,51
